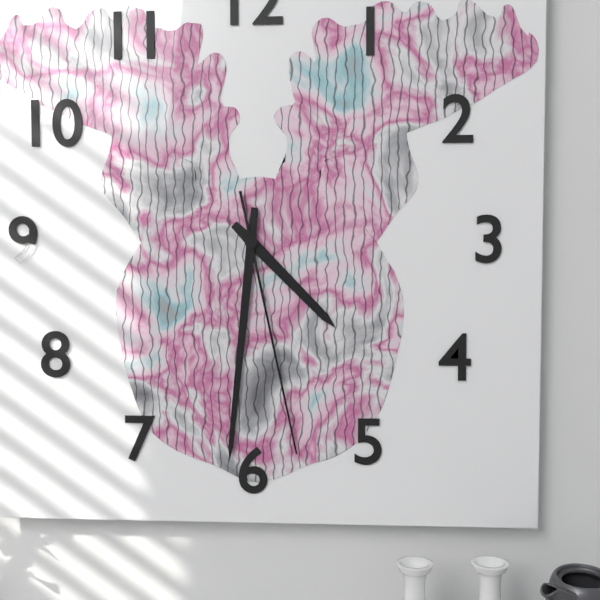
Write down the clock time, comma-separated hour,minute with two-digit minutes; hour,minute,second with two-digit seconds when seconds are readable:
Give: 4,31,28
